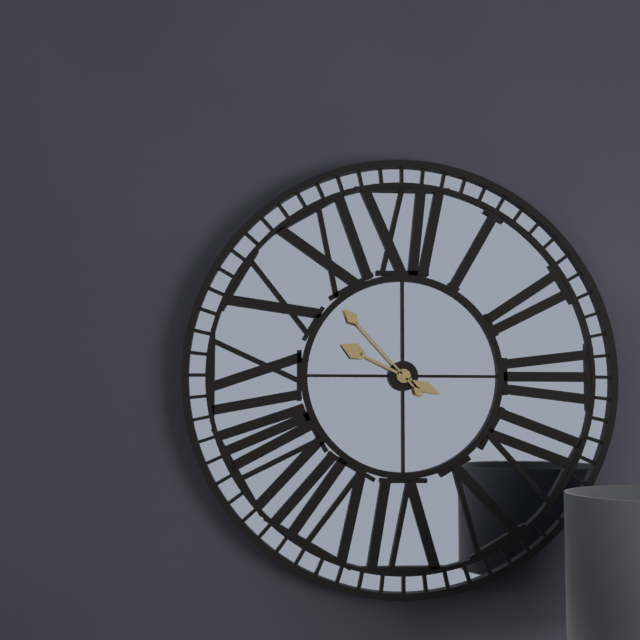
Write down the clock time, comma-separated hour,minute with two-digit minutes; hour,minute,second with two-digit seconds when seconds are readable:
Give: 9,53
